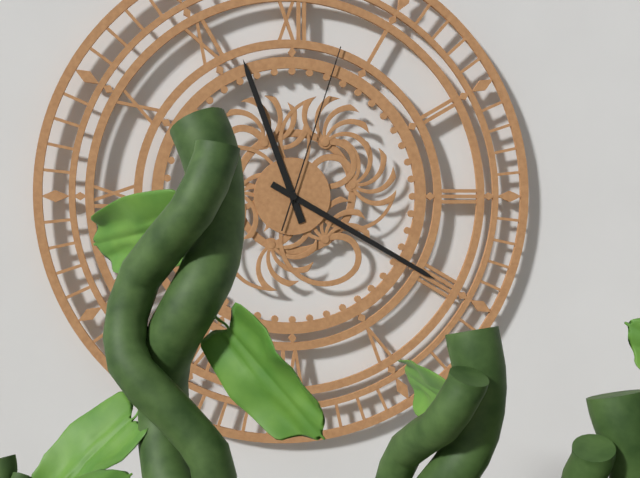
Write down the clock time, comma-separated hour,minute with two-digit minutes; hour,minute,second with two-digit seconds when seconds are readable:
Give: 11,20,03
